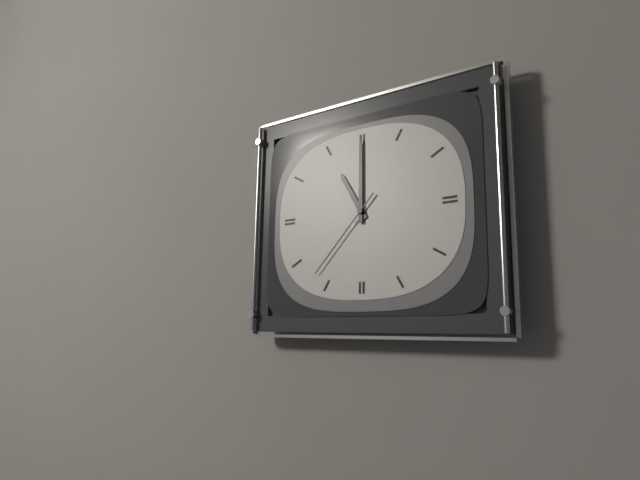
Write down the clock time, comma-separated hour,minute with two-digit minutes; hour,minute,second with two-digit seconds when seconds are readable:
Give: 11,00,37
